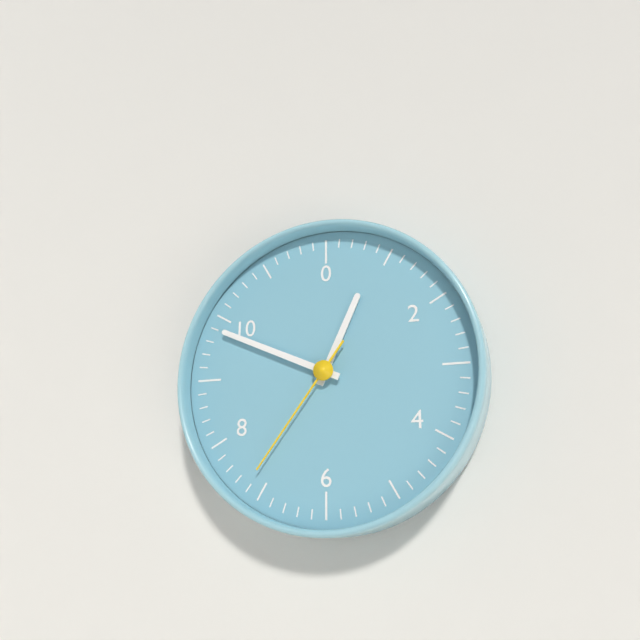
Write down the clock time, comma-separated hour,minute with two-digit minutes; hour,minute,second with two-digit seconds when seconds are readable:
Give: 12,49,36
